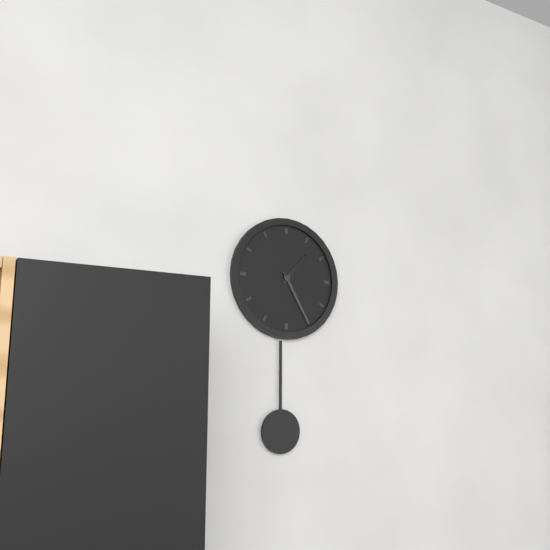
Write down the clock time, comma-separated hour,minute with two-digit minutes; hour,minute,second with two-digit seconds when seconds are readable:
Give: 1,25
